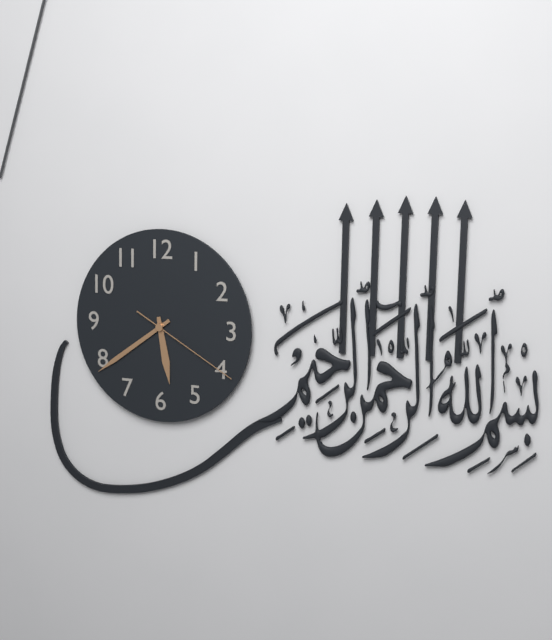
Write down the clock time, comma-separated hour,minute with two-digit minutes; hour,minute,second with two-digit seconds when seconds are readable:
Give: 5,39,20
